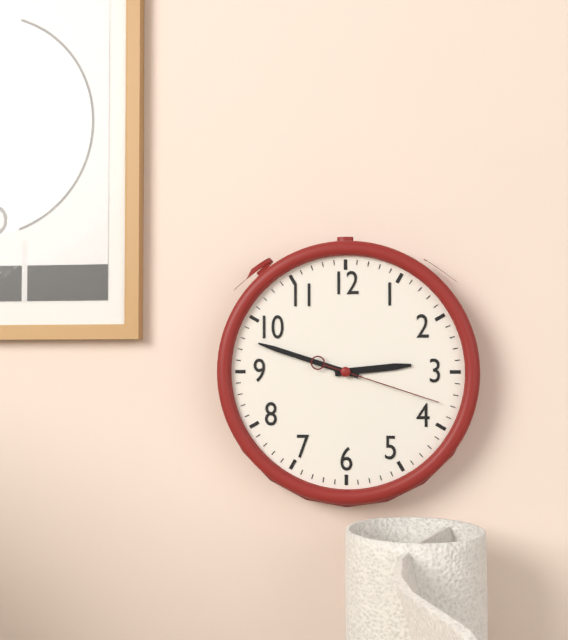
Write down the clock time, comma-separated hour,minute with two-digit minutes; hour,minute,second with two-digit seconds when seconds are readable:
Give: 2,48,18
